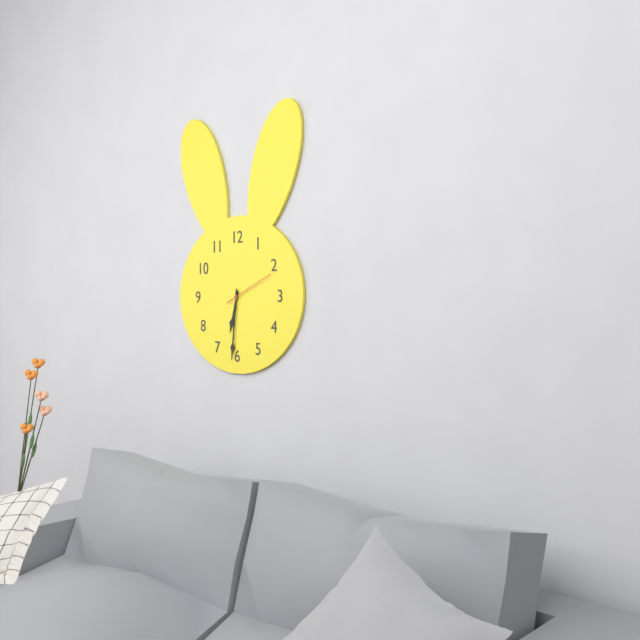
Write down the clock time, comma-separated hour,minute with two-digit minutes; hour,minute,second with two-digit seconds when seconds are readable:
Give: 6,31
